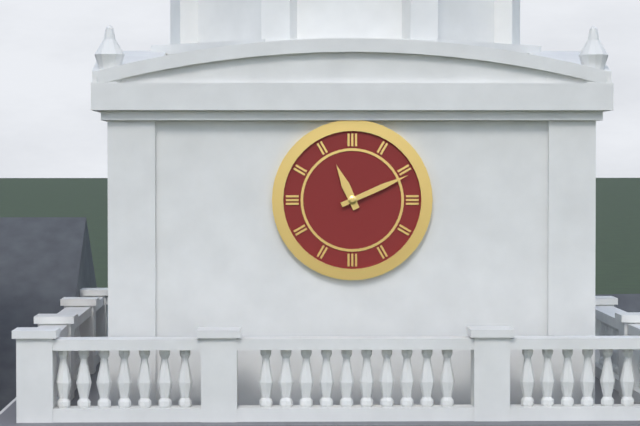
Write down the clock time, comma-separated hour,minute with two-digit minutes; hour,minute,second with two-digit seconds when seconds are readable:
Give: 11,11
